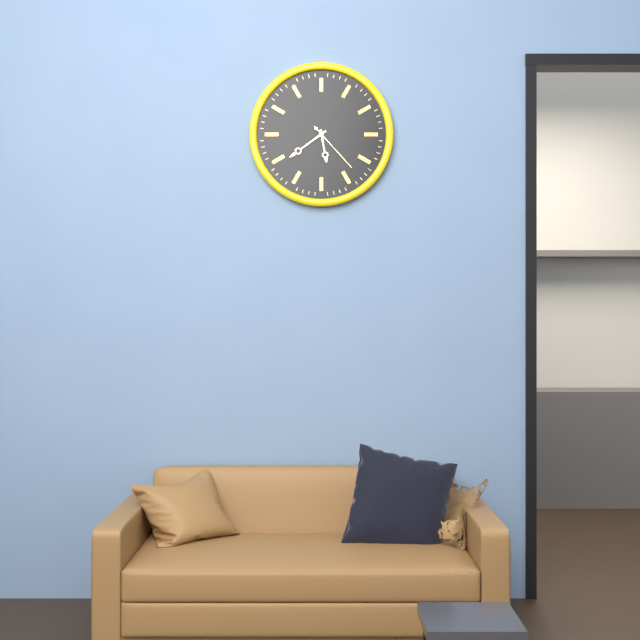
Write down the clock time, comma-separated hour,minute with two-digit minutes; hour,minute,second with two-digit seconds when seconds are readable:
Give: 5,39,23
